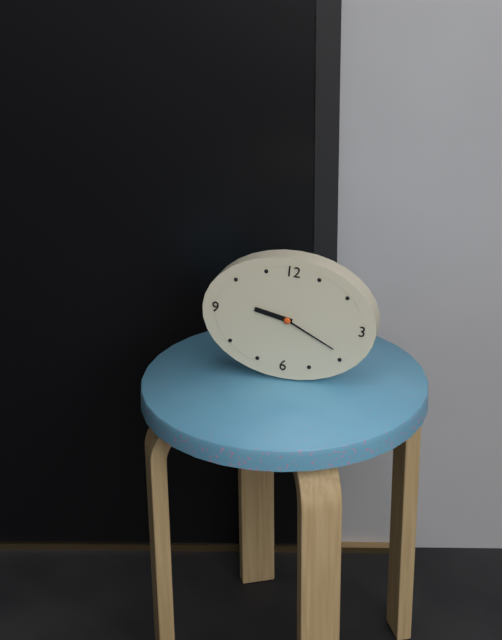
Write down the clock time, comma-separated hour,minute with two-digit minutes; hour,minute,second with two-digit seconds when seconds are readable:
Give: 9,19
